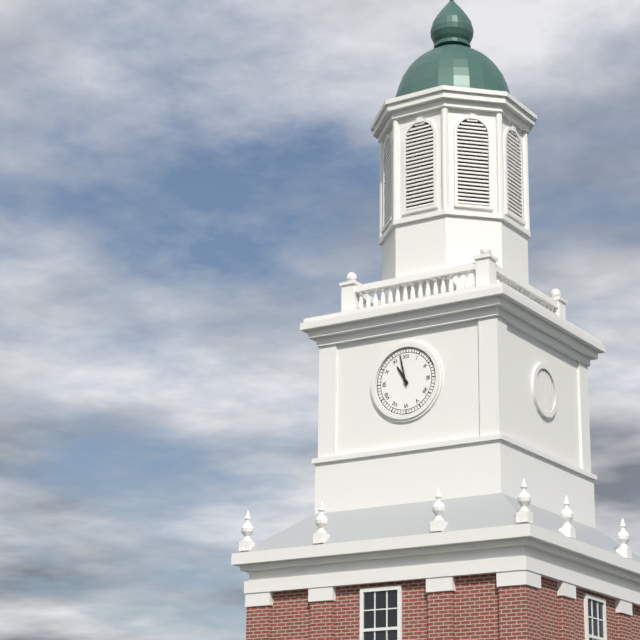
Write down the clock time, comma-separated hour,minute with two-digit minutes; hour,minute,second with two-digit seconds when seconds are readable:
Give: 10,58
